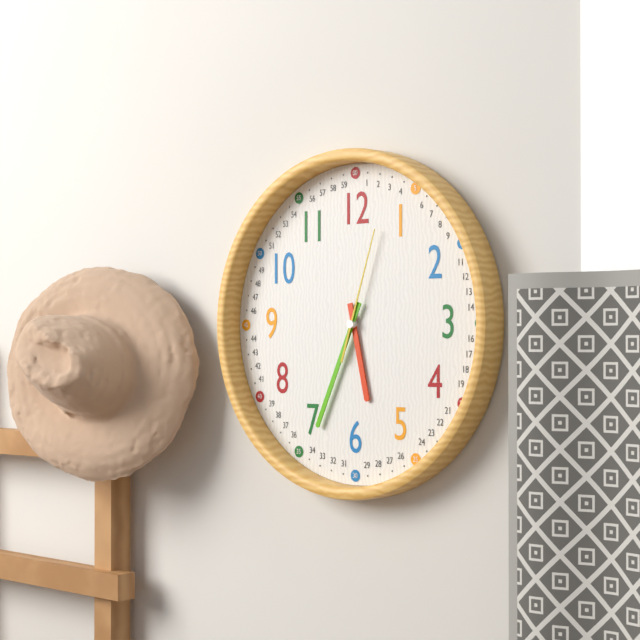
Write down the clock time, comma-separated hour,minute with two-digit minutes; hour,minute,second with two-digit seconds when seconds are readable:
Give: 5,34,03
